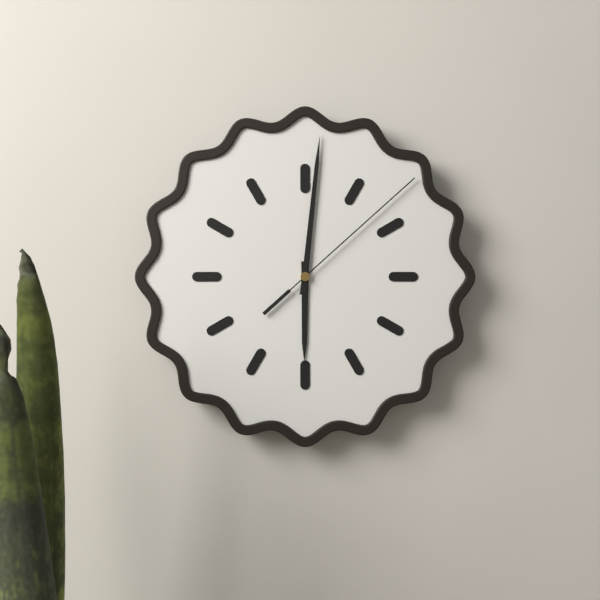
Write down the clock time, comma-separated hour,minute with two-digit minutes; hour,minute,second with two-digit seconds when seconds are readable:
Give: 6,01,08
